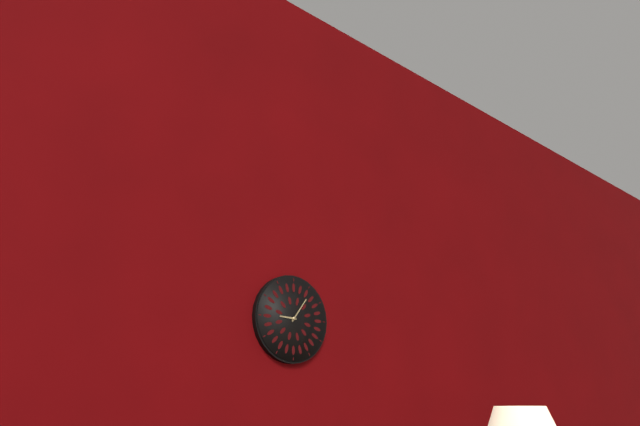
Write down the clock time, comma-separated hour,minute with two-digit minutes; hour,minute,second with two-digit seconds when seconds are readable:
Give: 9,06
